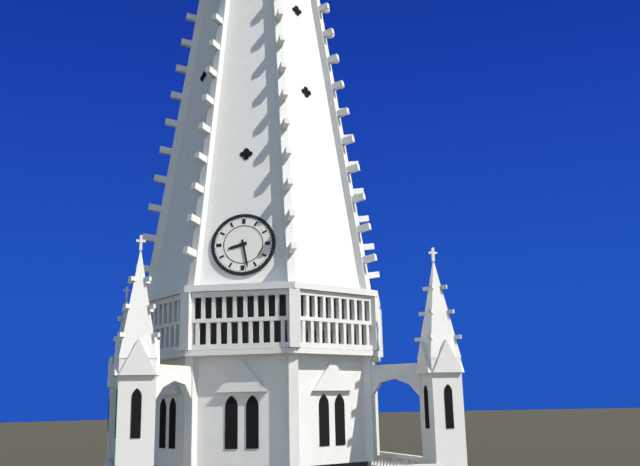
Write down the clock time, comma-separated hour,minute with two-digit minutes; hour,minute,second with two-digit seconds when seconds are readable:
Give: 8,28
